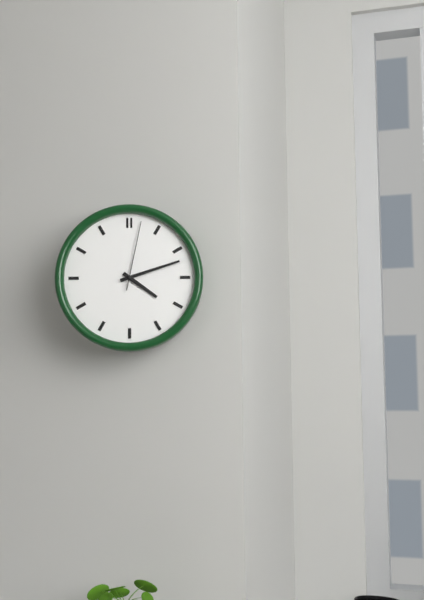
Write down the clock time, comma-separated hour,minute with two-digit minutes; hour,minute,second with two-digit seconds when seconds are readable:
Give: 4,12,02
